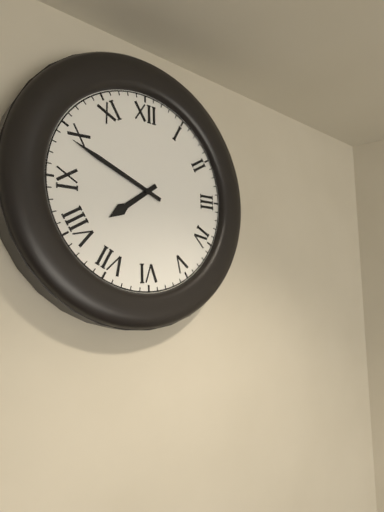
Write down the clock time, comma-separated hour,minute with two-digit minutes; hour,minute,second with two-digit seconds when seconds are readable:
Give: 7,49
